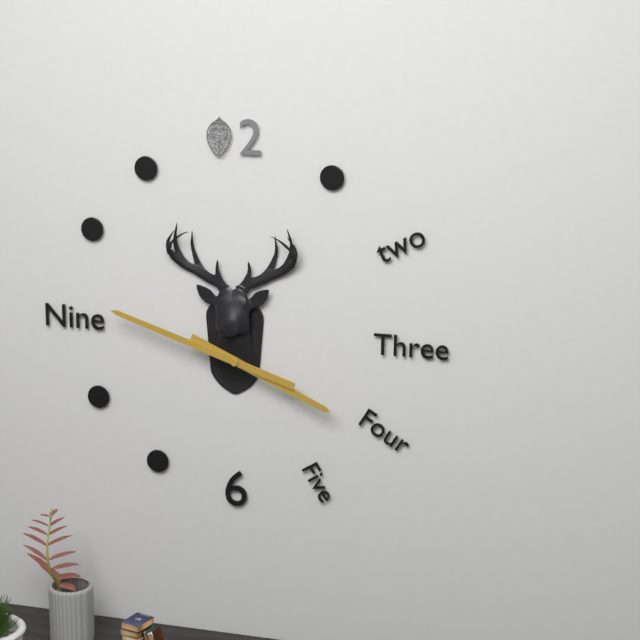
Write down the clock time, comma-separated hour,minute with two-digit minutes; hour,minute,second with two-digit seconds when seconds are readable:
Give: 3,48
